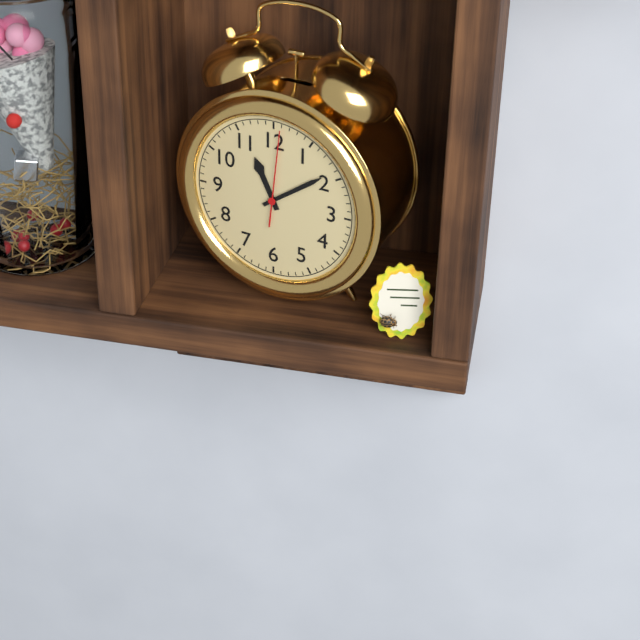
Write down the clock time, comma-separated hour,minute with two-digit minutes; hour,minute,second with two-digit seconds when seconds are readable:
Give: 11,09,01
